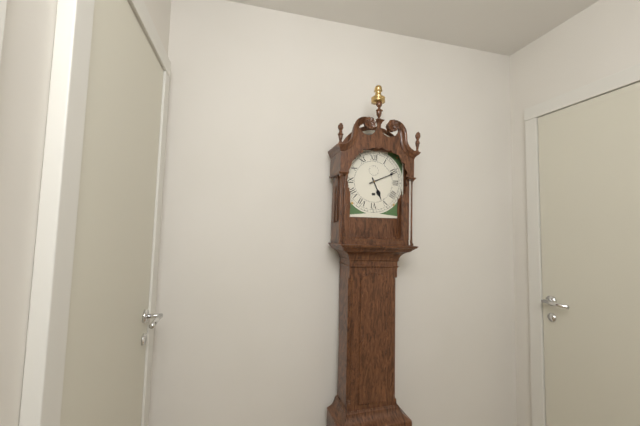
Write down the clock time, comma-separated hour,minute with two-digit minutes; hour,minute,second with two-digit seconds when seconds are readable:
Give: 5,11
